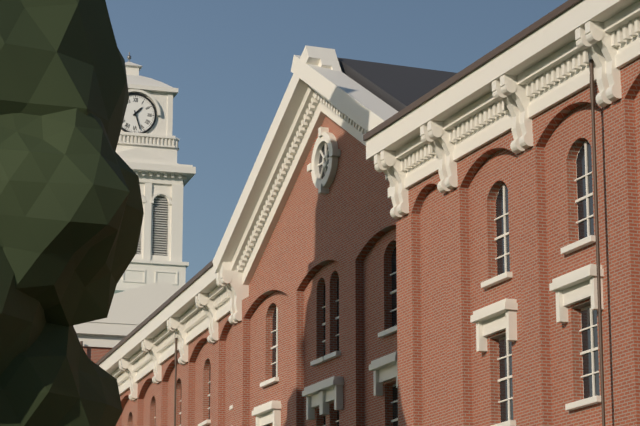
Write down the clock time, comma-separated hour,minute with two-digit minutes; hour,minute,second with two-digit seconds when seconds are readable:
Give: 1,27
